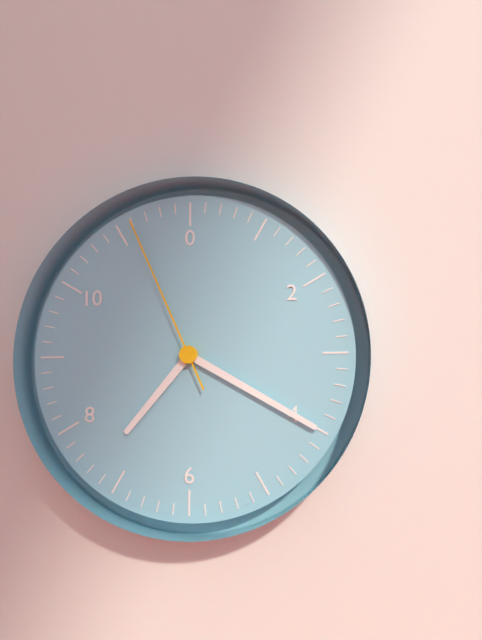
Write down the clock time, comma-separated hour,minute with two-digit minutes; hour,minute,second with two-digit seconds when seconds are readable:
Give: 7,20,56
